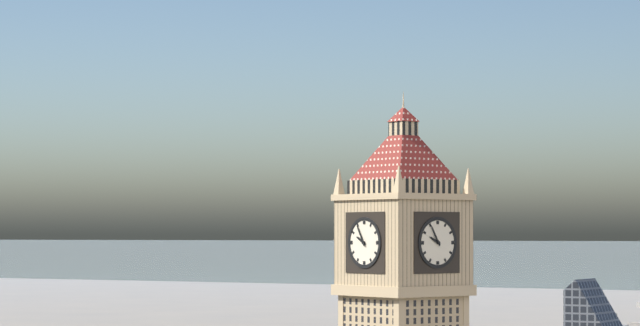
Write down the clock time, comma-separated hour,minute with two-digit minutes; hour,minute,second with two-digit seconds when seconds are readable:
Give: 9,55
